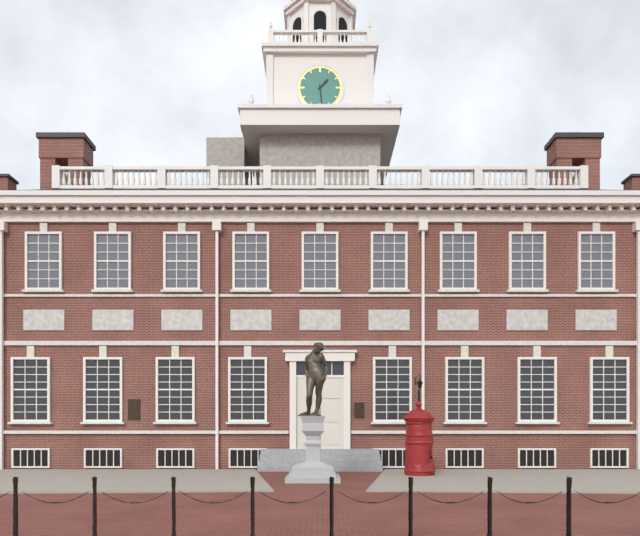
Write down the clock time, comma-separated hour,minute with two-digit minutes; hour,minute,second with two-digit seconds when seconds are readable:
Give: 1,29
